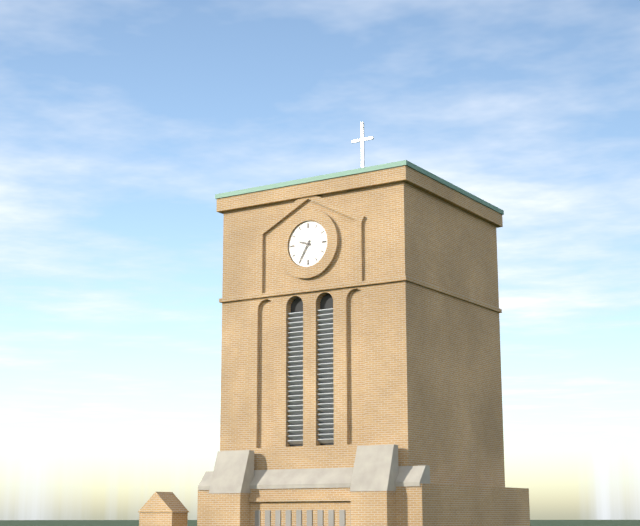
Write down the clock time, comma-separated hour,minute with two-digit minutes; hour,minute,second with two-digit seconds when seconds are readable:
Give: 9,35
